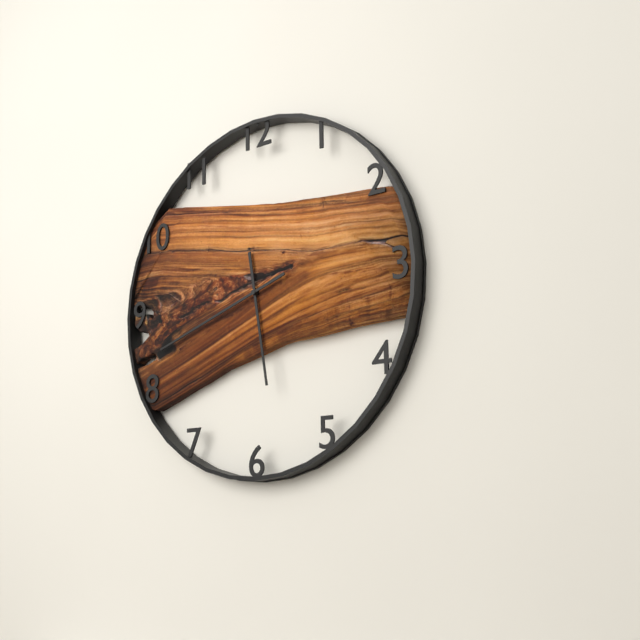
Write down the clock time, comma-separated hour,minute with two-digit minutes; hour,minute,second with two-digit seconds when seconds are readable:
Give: 5,42
